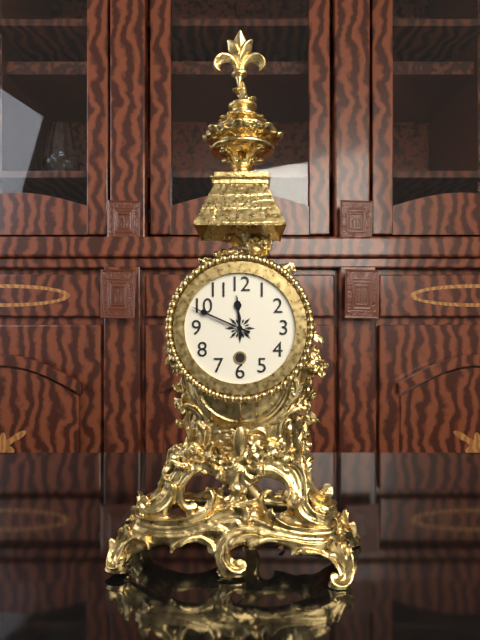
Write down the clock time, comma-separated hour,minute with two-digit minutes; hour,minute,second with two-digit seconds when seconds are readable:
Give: 11,49
